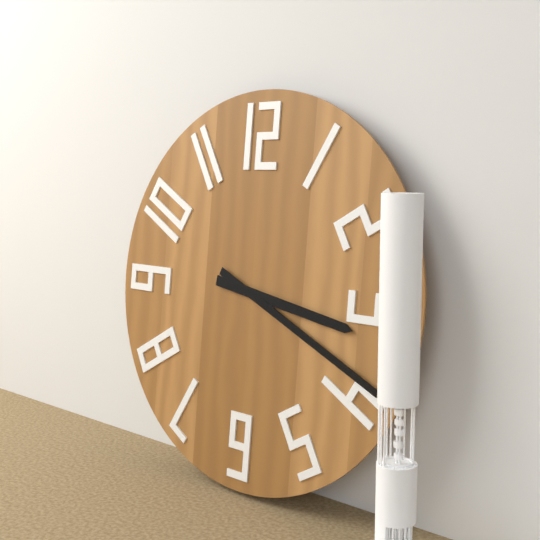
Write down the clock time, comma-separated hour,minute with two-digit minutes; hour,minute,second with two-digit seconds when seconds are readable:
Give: 3,19
